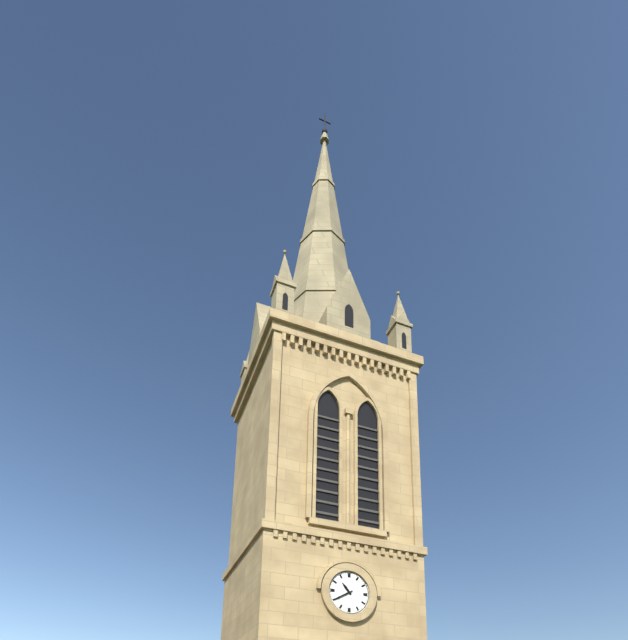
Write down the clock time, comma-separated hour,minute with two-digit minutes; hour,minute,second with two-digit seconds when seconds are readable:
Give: 10,40
